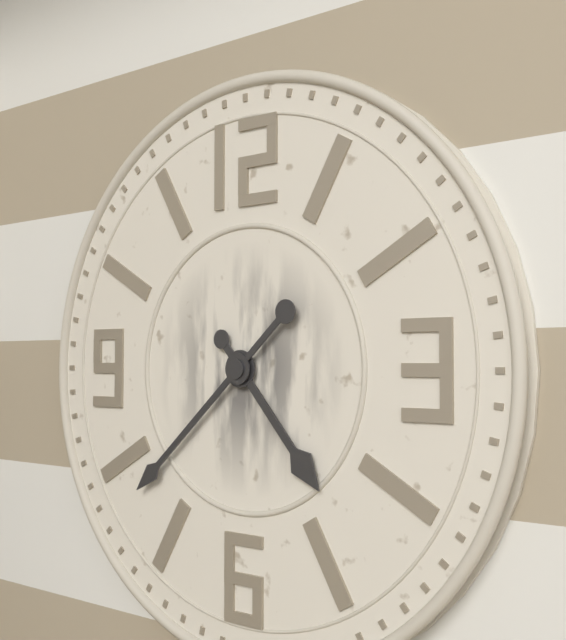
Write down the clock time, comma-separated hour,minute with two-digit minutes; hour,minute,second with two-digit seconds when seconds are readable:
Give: 4,38
